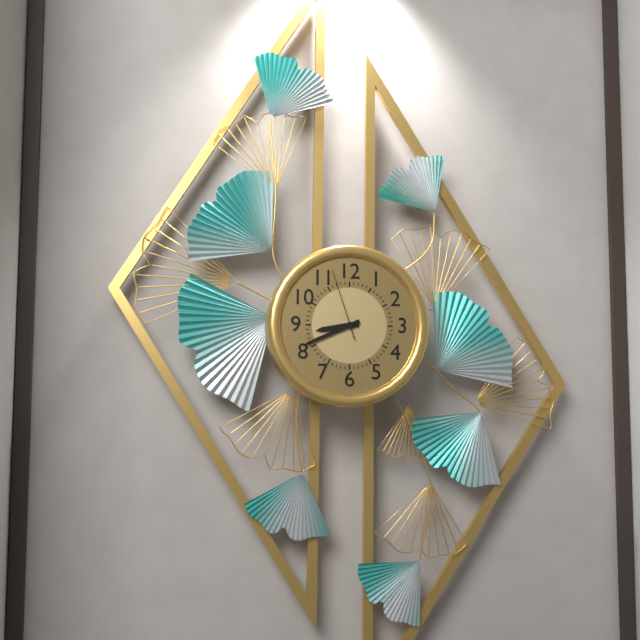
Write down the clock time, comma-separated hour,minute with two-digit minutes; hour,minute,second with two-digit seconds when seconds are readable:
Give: 8,41,57
